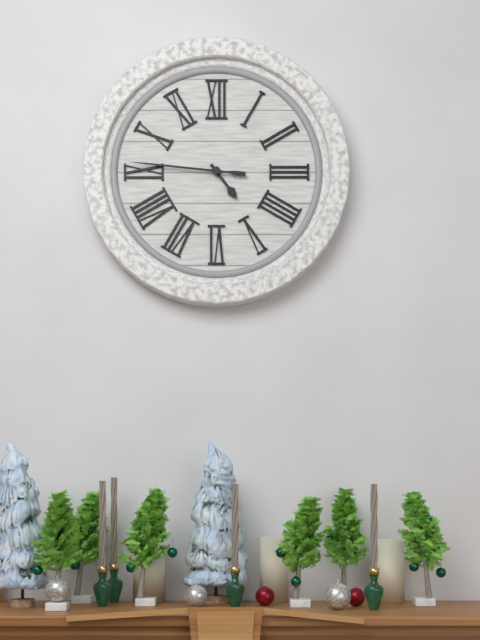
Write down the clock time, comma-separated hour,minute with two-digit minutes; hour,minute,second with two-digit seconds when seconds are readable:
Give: 4,46
